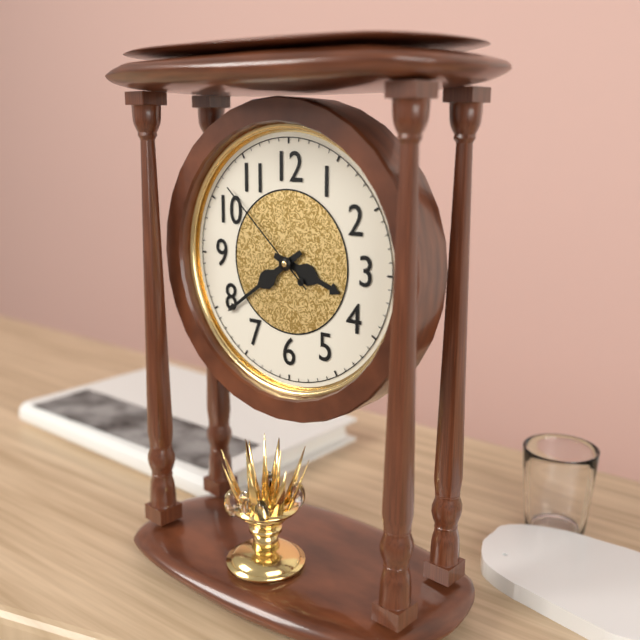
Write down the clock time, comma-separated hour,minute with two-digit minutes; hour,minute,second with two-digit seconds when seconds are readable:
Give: 3,39,52
